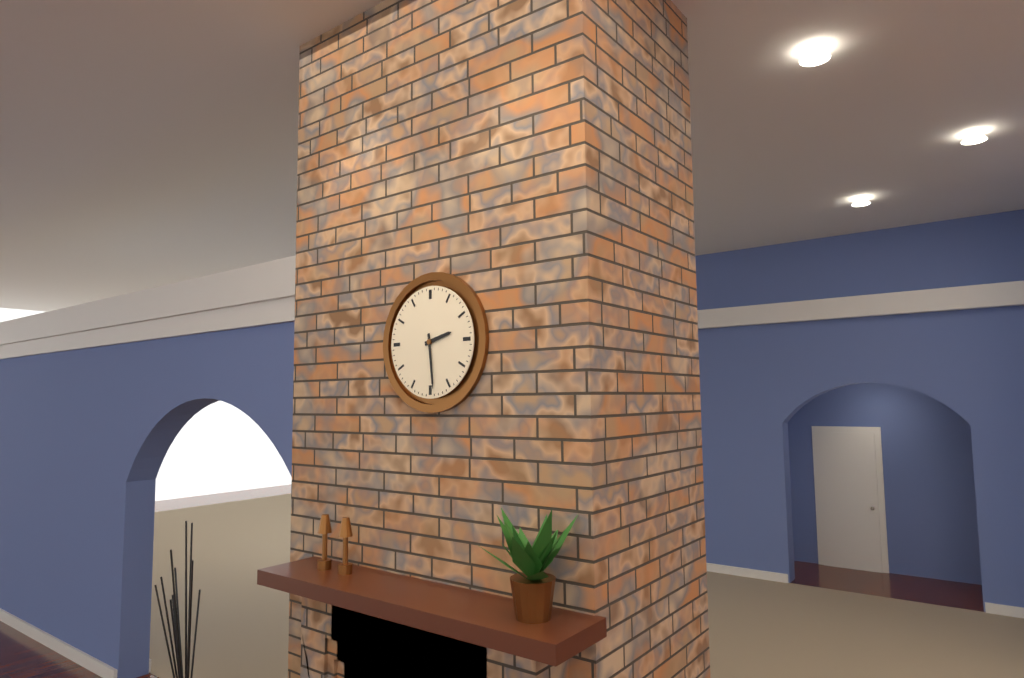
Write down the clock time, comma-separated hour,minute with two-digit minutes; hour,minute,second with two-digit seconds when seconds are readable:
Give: 2,29
